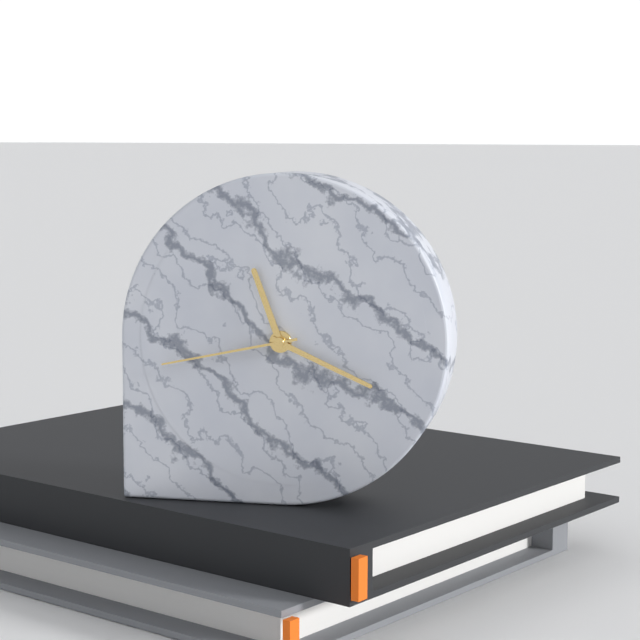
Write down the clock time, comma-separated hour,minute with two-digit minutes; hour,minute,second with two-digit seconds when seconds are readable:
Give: 11,19,43
